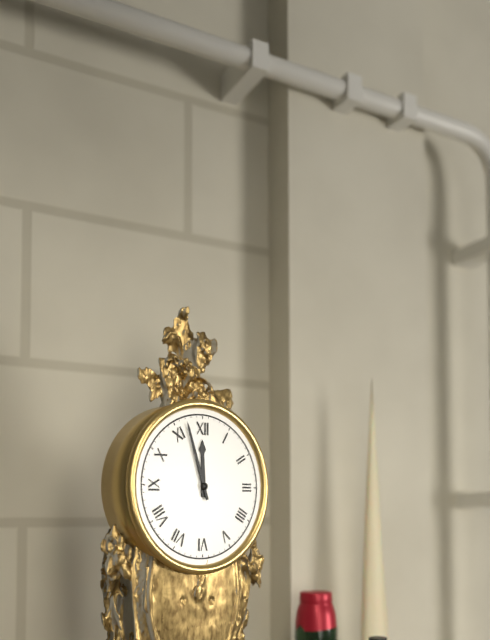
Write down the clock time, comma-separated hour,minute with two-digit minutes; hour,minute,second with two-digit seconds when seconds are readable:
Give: 11,57
